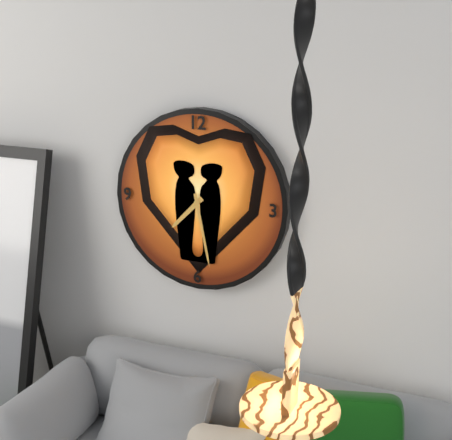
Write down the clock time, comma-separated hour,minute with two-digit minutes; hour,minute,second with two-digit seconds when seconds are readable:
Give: 7,28
